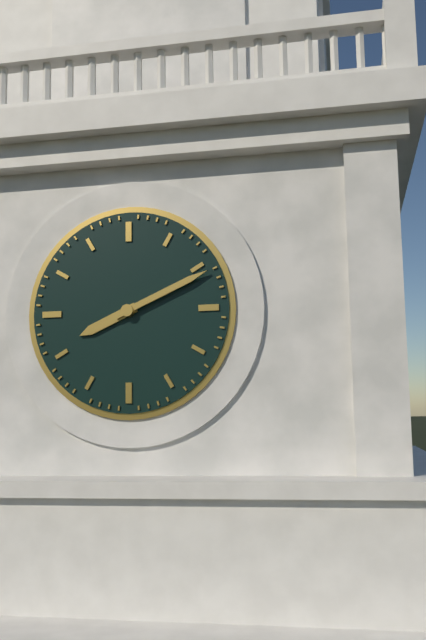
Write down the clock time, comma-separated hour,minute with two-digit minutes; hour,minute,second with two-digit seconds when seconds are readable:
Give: 8,11
